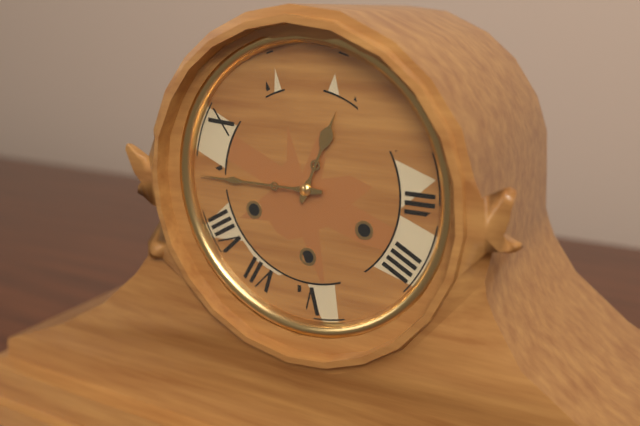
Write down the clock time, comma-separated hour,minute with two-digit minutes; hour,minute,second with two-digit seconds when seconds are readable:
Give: 12,45
